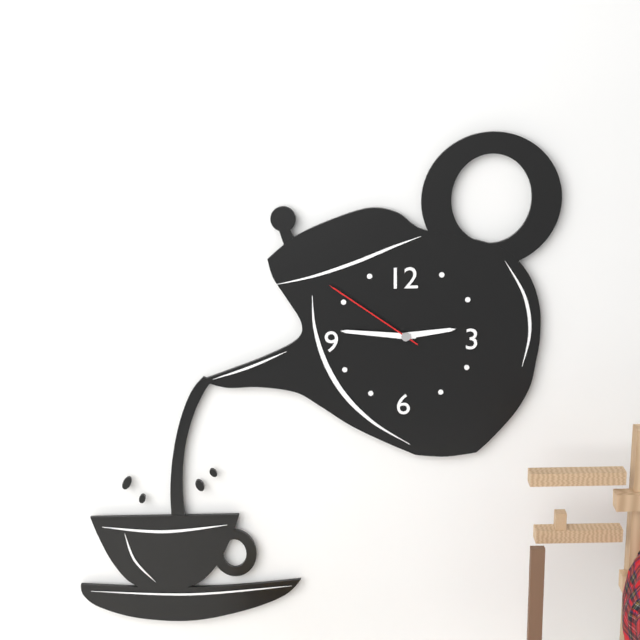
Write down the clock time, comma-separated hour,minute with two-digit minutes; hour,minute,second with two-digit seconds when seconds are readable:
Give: 2,46,51
